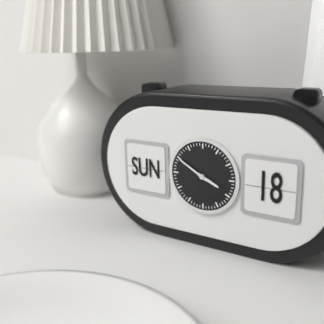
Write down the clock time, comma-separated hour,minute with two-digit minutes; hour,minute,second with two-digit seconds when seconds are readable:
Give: 3,50
